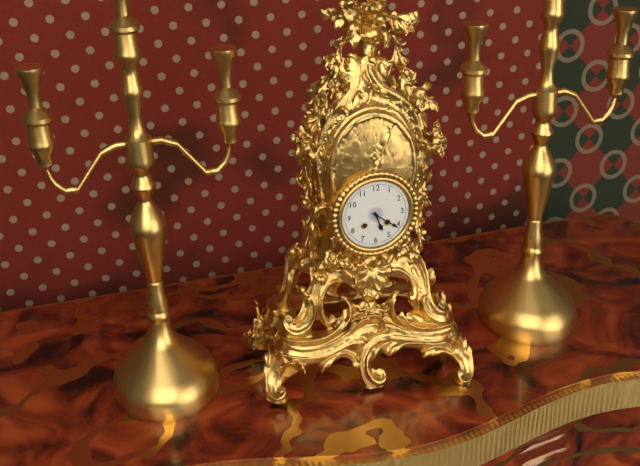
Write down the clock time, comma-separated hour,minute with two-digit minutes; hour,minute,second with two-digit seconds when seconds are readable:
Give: 5,21
